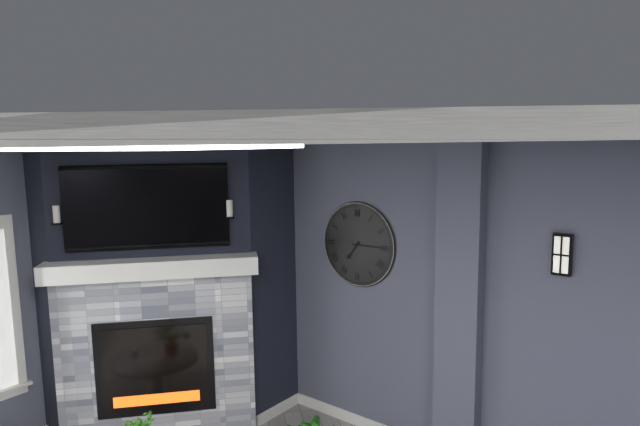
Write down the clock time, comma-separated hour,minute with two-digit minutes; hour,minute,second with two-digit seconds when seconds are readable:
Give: 7,15
